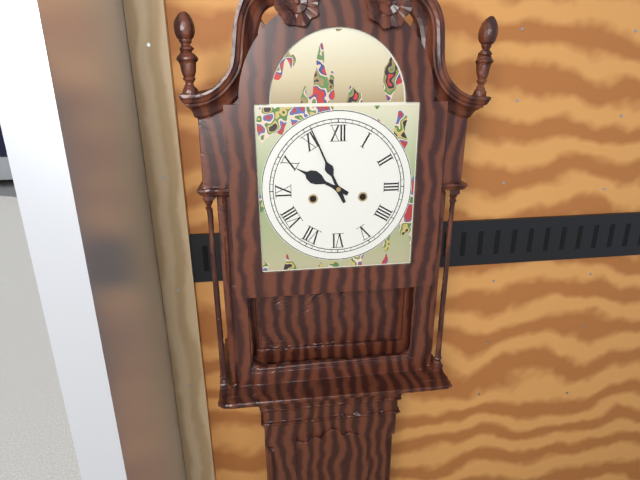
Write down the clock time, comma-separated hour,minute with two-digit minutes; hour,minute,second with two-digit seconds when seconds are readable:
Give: 9,56
